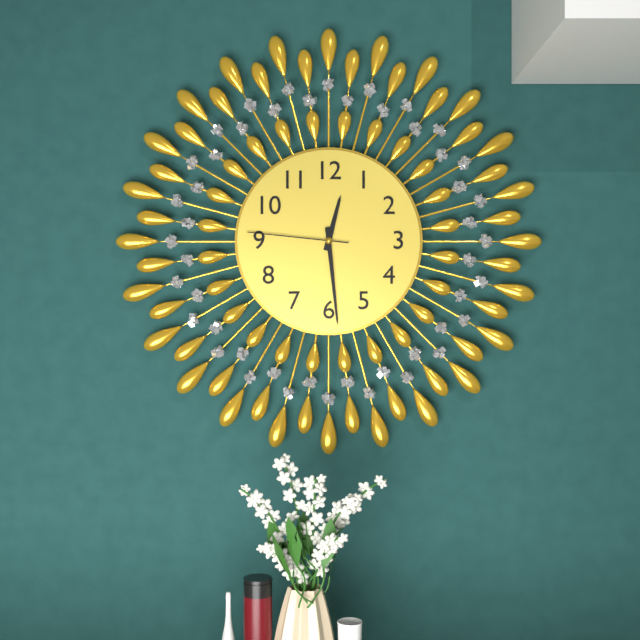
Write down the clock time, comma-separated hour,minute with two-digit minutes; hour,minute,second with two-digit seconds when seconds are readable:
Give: 12,29,46
